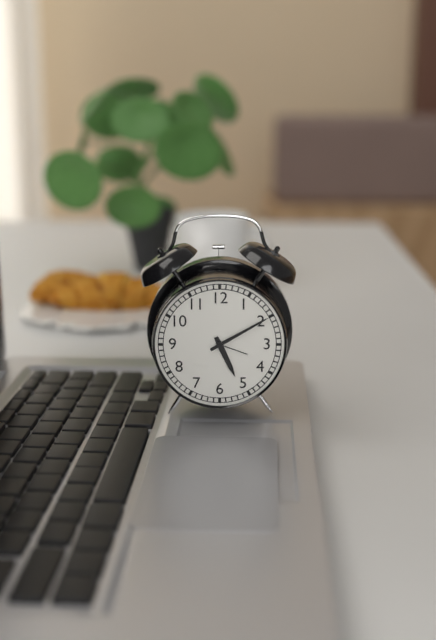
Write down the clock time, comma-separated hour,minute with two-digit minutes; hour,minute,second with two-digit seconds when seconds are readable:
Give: 5,10
